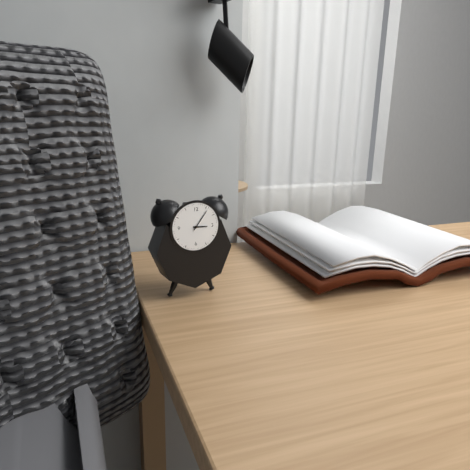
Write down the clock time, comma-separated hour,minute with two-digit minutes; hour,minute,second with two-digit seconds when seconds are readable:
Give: 3,06
